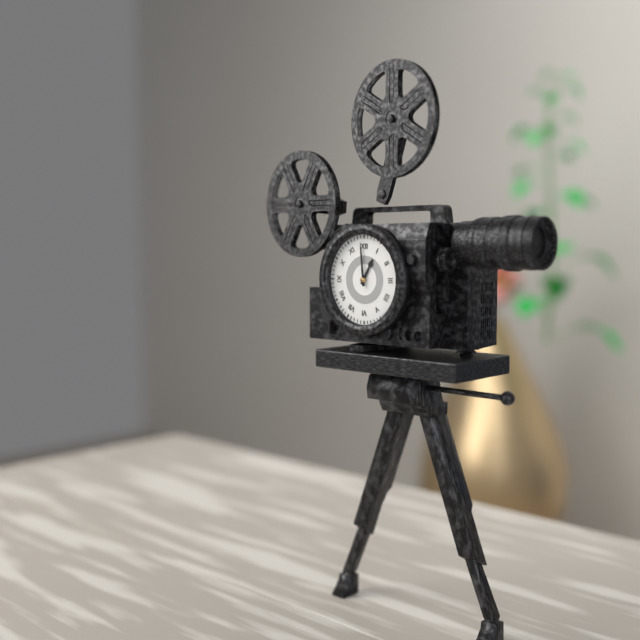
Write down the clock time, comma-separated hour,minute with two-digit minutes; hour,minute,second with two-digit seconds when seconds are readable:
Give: 12,59
